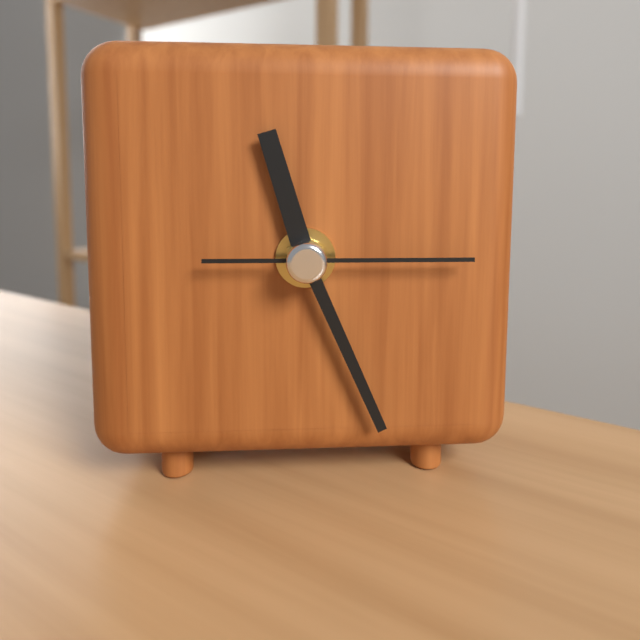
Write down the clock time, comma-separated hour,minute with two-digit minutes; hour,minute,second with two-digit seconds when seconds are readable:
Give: 11,26,15
